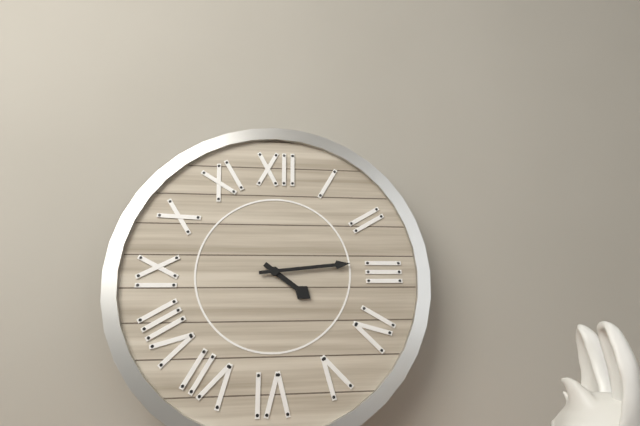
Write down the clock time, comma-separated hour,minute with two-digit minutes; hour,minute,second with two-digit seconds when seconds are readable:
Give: 4,14
